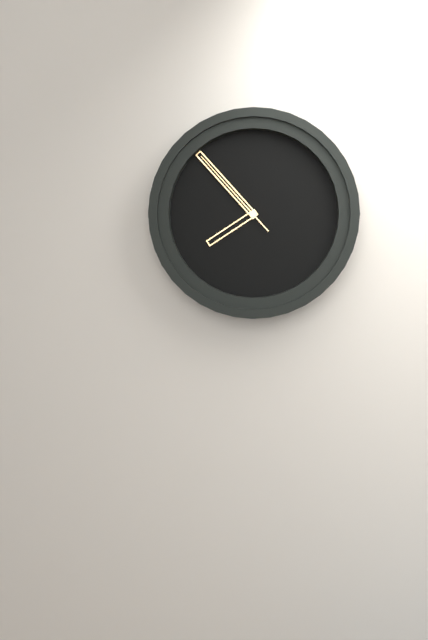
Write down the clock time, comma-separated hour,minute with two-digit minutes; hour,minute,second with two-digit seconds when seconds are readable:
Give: 7,53,53
